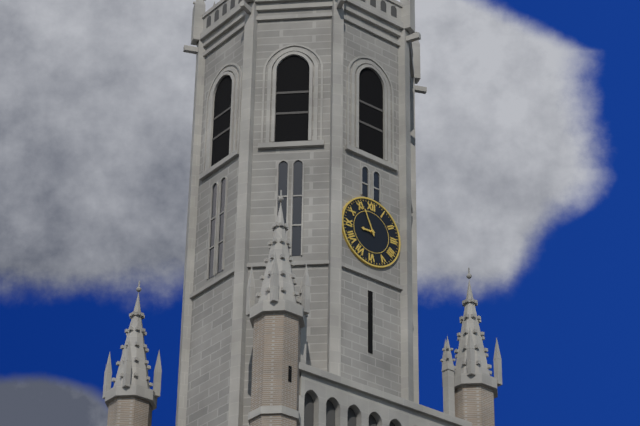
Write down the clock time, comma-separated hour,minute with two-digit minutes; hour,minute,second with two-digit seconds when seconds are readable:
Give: 8,56
